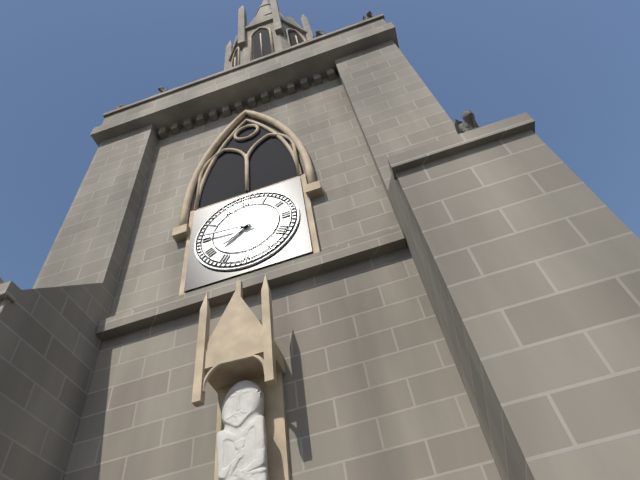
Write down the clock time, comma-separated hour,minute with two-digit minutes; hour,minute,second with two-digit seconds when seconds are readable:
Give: 7,46
